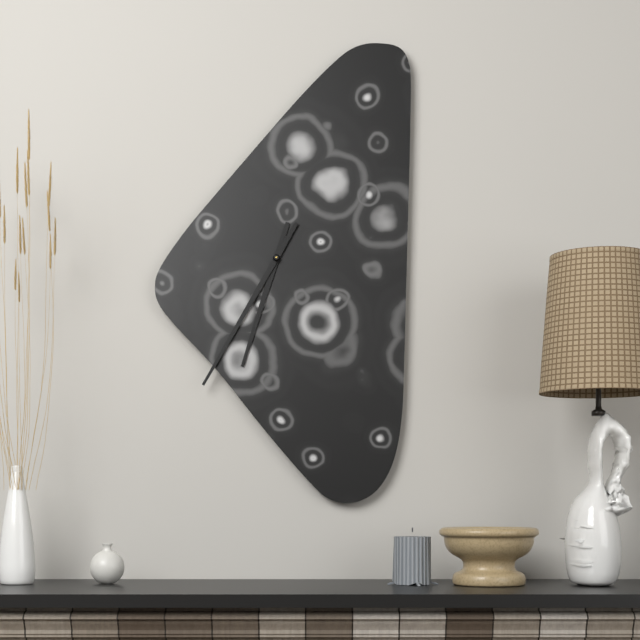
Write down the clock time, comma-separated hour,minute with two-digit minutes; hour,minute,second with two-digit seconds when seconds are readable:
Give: 6,35
